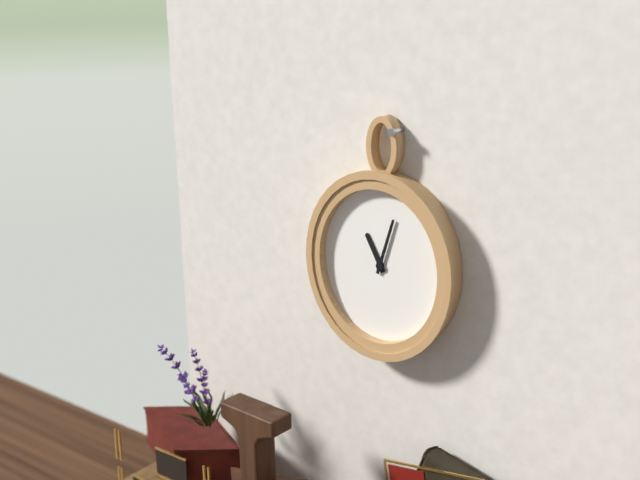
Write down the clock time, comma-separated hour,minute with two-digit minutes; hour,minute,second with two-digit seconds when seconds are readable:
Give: 11,03
